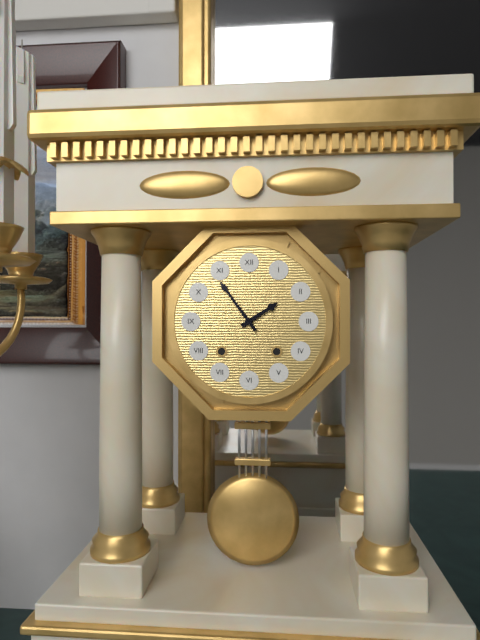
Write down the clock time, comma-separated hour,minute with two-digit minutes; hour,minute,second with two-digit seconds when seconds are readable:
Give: 1,54
